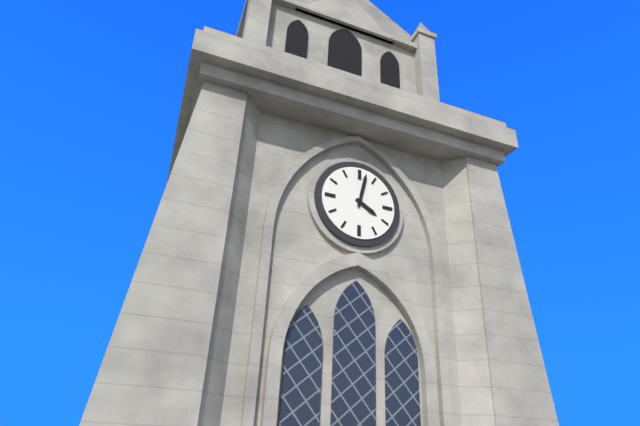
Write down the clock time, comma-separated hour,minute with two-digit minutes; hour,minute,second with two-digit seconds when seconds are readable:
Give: 4,02
